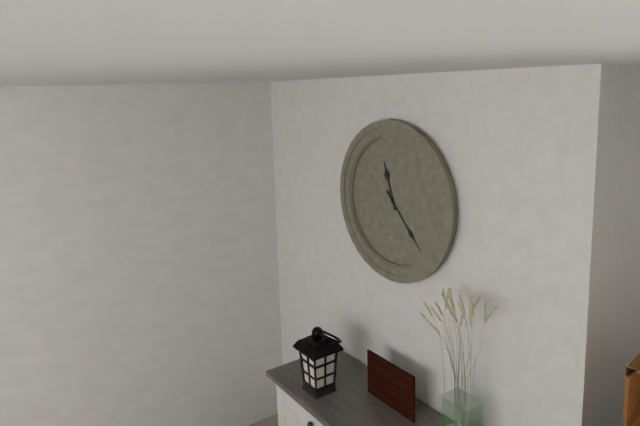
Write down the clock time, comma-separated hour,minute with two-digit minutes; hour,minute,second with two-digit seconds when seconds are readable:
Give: 11,23
